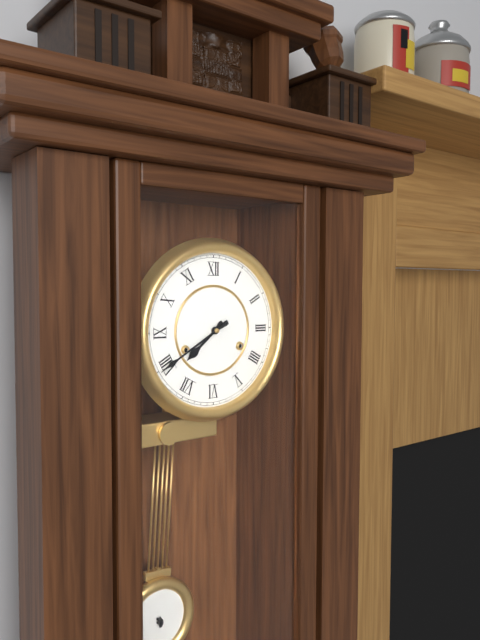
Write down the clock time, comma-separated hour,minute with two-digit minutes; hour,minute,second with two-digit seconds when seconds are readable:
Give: 7,40
